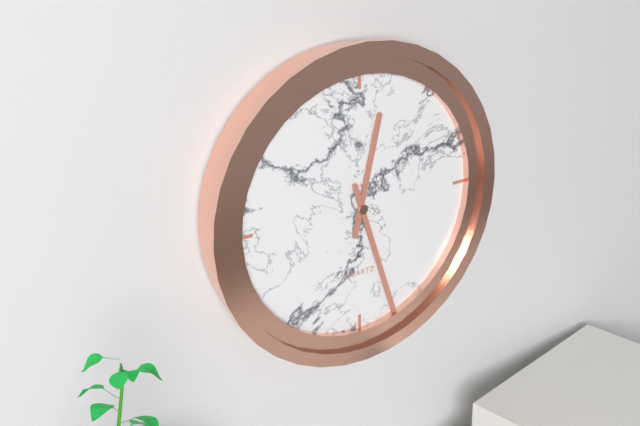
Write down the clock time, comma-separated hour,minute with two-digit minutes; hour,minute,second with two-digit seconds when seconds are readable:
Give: 12,27
